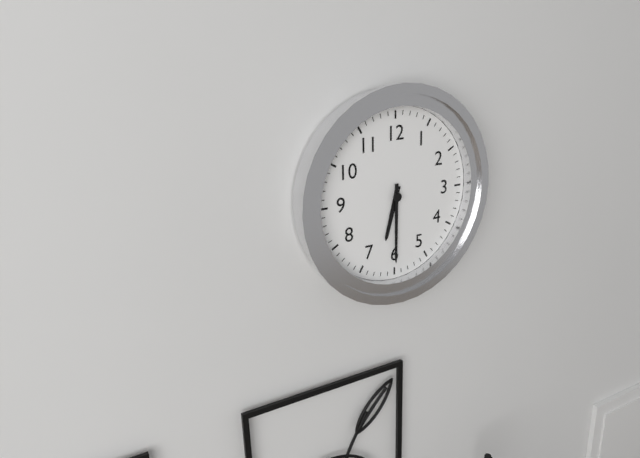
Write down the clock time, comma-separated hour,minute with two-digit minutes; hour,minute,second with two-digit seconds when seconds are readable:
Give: 6,30
